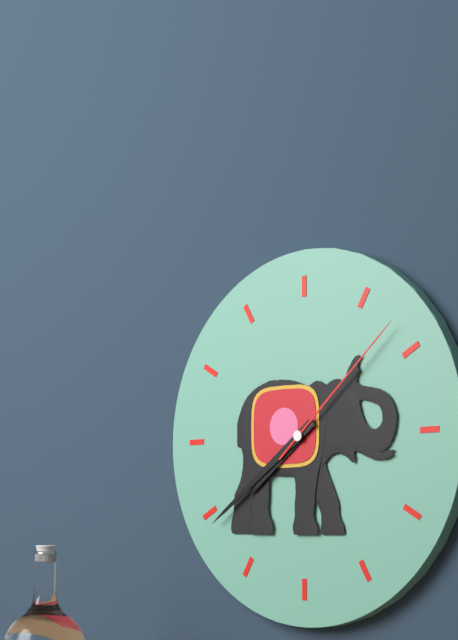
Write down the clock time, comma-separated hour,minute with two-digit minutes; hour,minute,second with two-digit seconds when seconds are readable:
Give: 7,39,08
